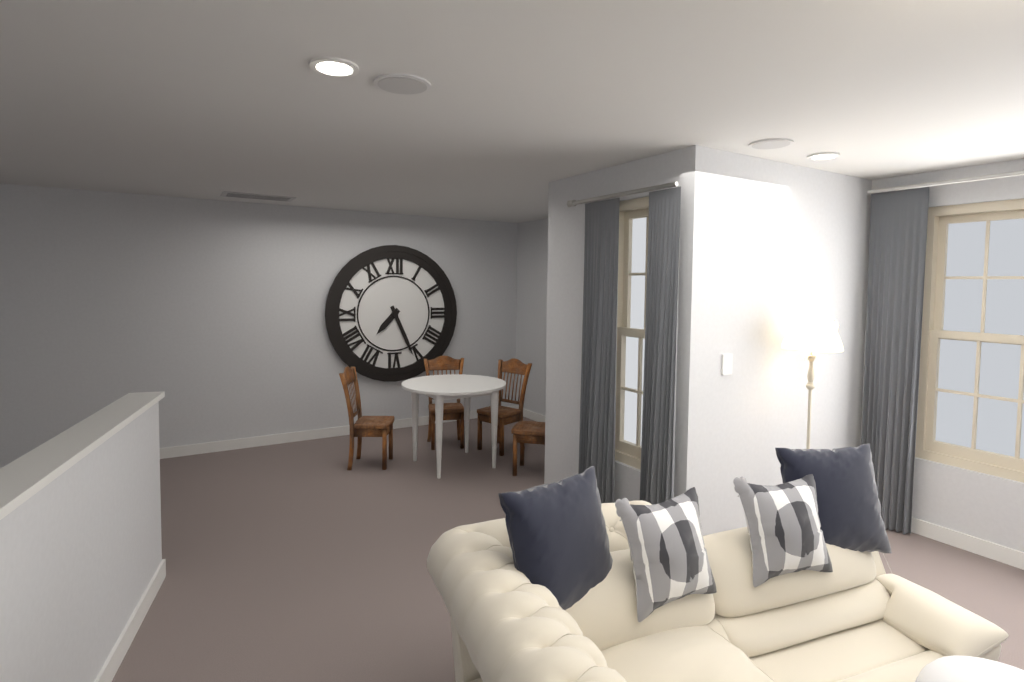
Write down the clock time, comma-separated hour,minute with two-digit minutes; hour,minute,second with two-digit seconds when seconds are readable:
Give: 7,26
